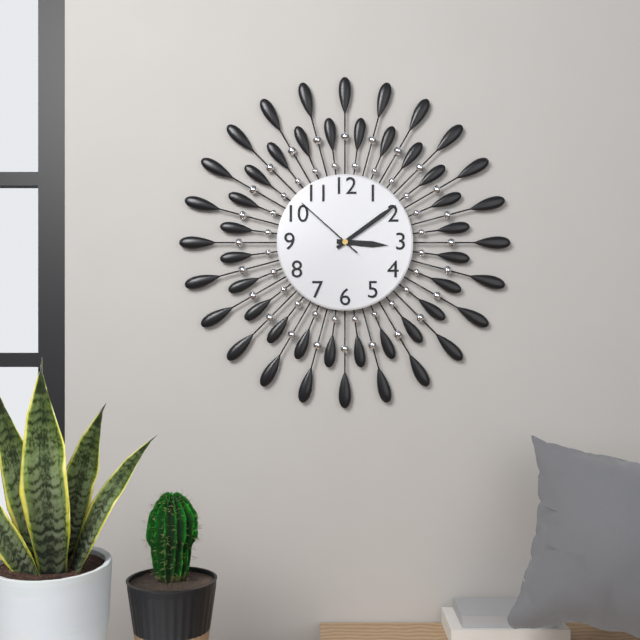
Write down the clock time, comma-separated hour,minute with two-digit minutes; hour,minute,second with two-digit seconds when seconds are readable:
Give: 3,09,52
